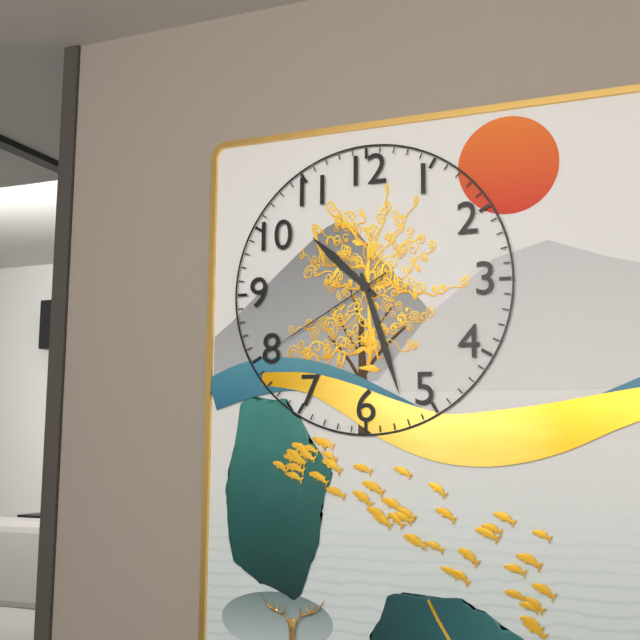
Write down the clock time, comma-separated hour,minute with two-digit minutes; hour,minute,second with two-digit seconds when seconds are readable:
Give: 10,27,40
